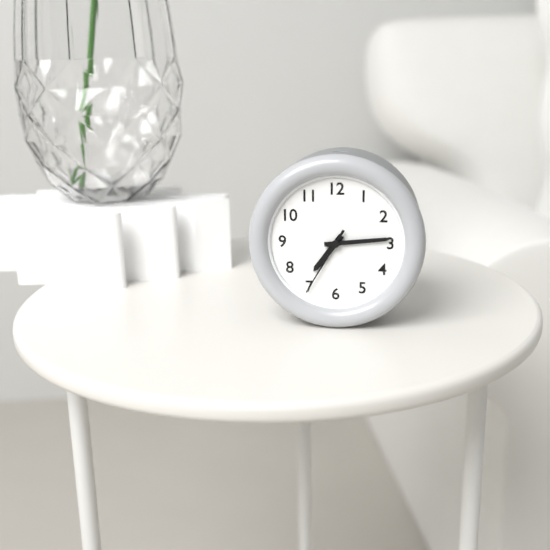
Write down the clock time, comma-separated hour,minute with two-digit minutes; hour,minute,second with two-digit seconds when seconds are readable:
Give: 7,14,35
